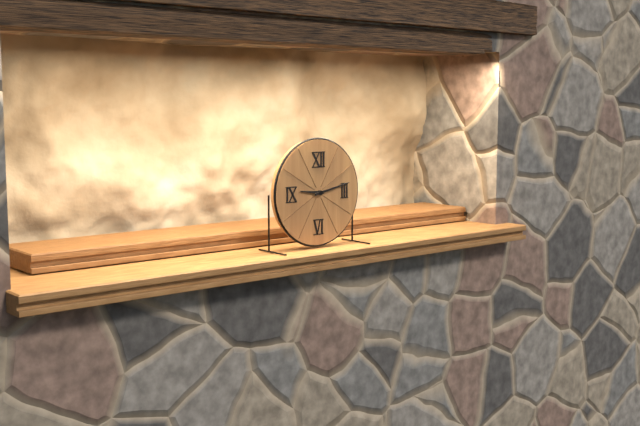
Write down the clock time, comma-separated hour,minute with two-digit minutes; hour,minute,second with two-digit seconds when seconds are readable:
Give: 9,13
